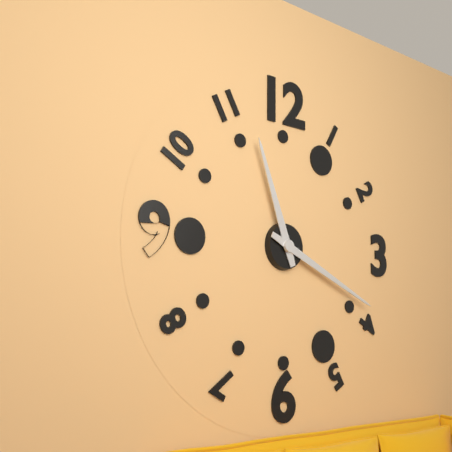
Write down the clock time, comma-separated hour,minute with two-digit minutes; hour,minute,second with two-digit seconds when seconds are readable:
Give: 11,19
